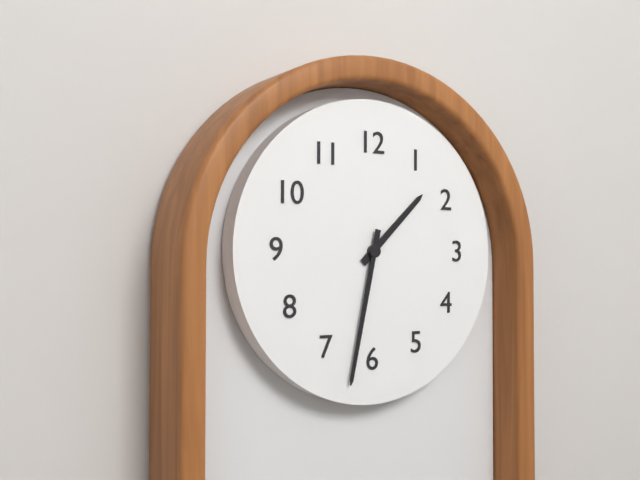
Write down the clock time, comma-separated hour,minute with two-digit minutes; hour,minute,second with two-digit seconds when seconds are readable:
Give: 1,32
